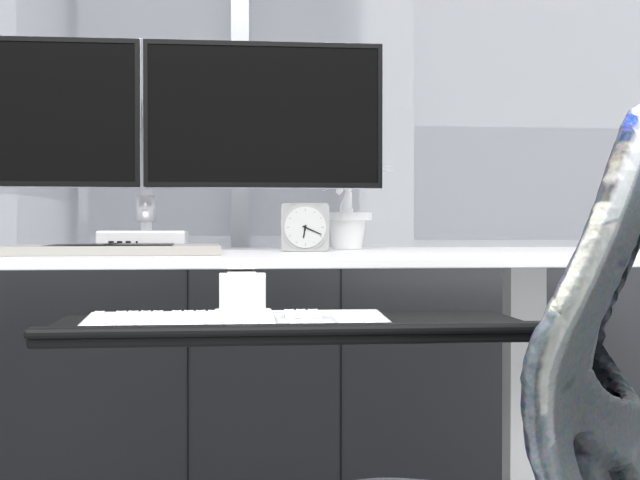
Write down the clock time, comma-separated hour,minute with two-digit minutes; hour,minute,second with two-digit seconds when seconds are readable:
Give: 6,19
